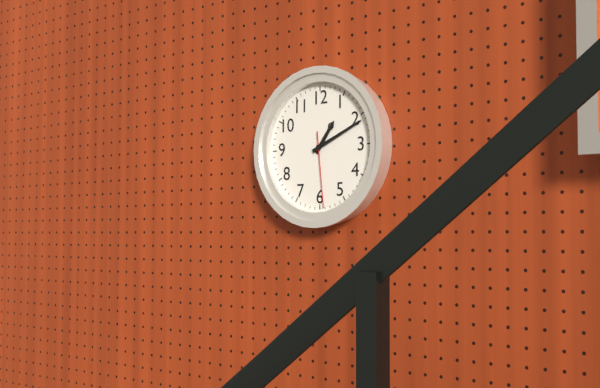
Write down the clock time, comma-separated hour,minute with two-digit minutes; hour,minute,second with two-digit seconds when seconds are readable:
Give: 1,11,29
